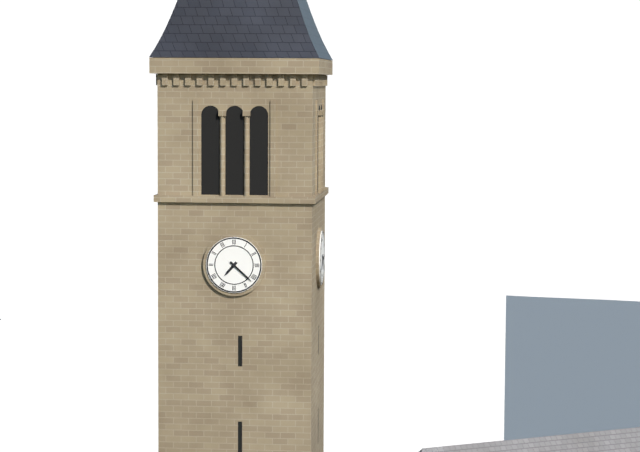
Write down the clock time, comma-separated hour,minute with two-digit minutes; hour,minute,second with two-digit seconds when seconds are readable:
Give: 7,22
